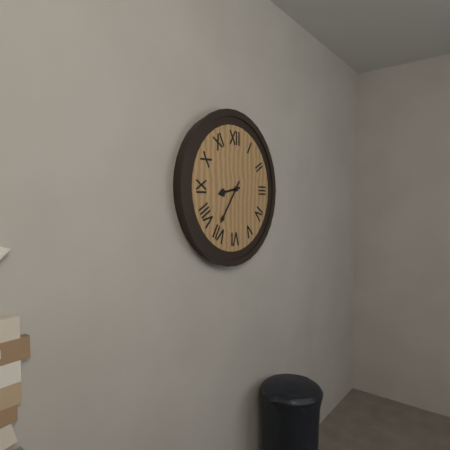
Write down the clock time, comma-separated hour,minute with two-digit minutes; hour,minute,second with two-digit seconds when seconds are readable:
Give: 8,36
